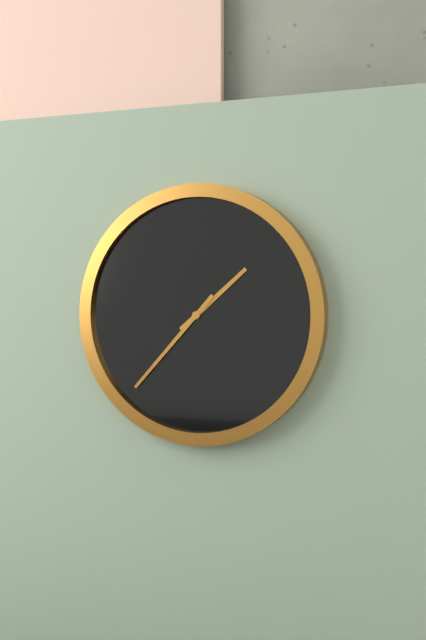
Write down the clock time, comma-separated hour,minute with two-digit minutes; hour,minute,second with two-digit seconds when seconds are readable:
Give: 1,37
